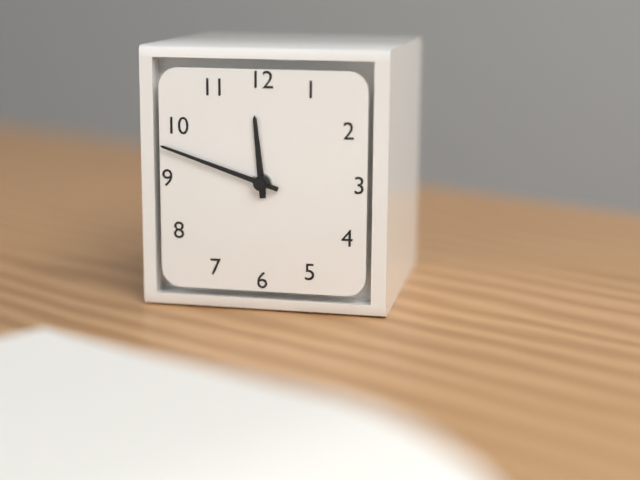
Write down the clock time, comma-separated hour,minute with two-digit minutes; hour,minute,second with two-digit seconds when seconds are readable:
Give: 11,48
